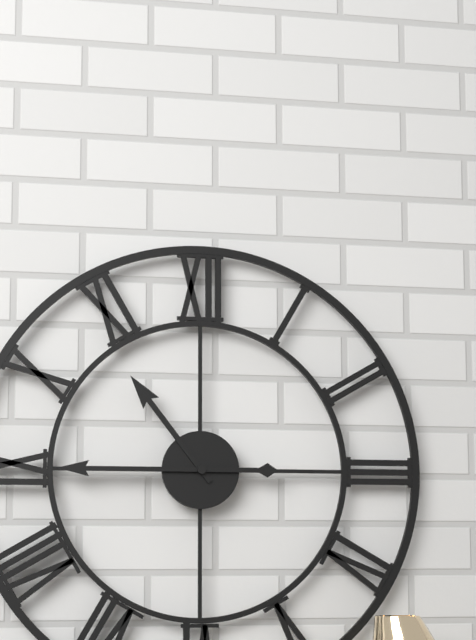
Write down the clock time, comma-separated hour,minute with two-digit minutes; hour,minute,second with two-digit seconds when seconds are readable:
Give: 10,45
